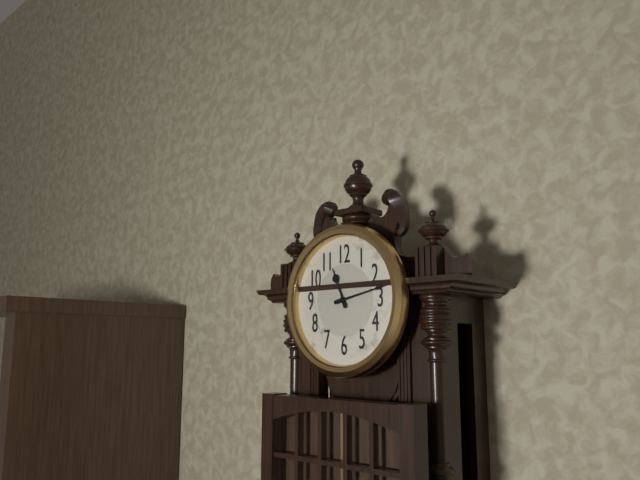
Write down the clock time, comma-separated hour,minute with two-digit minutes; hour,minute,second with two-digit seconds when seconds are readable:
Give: 11,13
